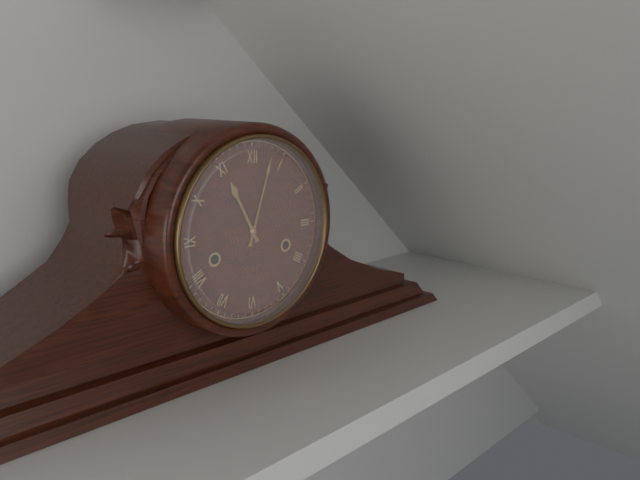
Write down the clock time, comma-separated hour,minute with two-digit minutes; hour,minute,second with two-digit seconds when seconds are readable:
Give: 11,03
